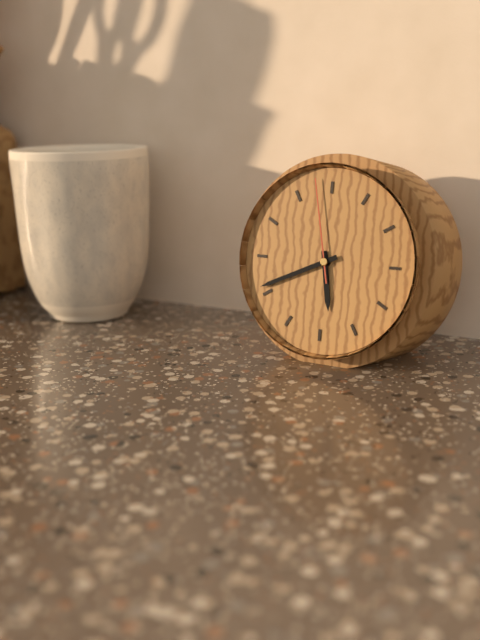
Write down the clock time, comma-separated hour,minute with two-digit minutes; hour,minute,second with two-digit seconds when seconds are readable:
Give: 5,41,58
